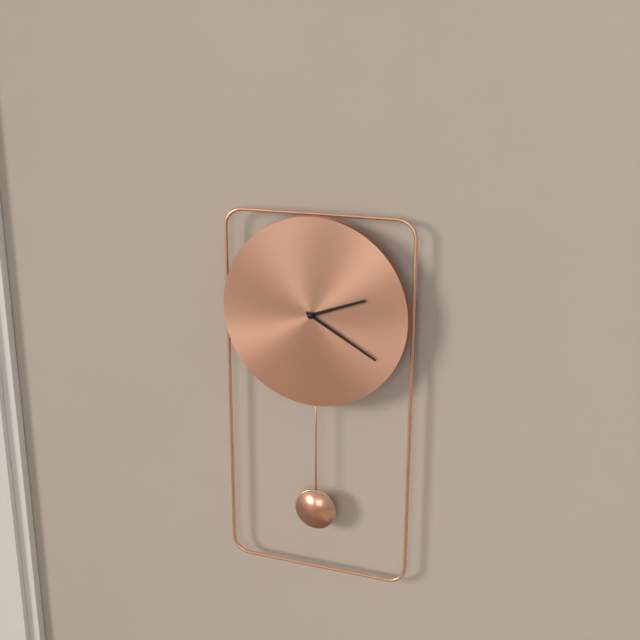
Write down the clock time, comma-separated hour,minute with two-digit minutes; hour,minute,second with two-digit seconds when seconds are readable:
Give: 2,20
